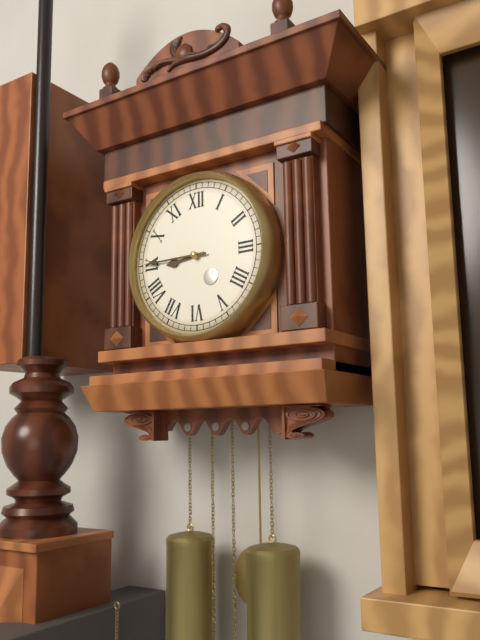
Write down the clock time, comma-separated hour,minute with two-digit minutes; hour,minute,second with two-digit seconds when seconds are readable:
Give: 8,45
